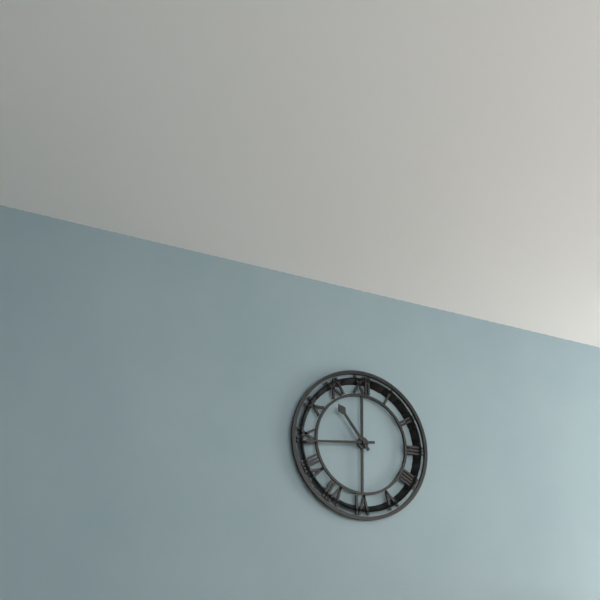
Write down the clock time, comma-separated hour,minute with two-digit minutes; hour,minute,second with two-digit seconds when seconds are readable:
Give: 10,44
